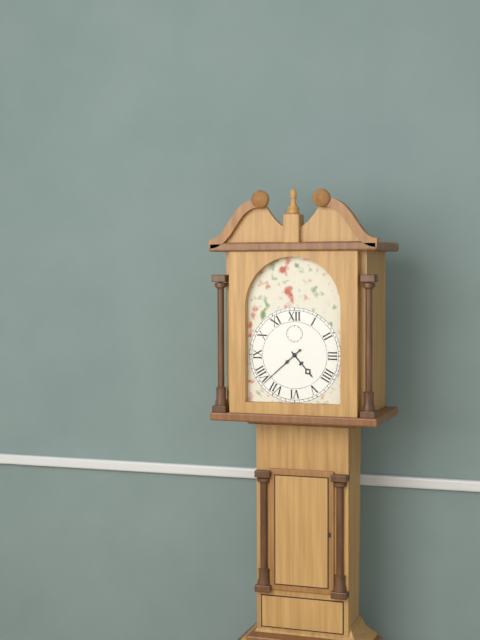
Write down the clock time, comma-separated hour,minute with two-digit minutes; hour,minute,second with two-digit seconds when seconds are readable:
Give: 4,38
